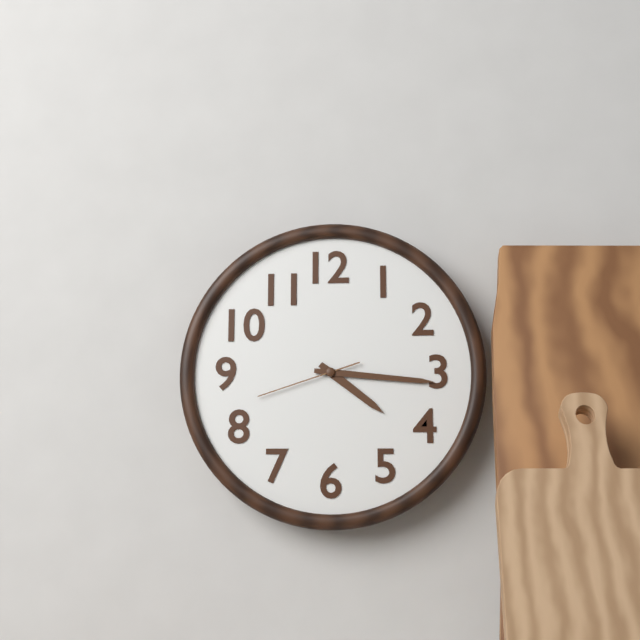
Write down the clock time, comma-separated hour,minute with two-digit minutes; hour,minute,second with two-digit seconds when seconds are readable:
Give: 4,16,42
